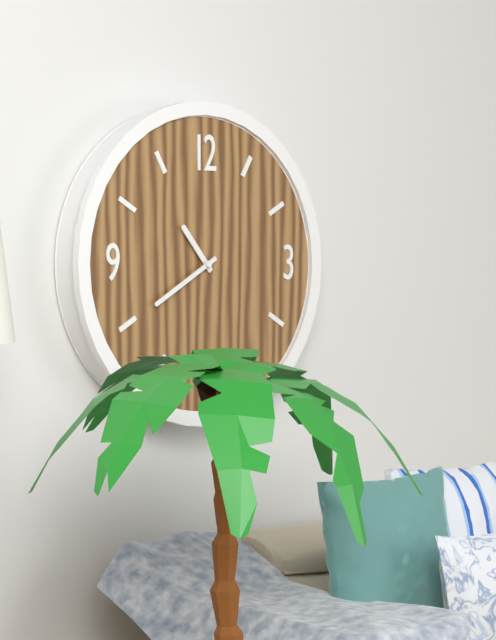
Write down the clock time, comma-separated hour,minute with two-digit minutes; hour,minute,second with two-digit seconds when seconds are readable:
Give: 10,40
